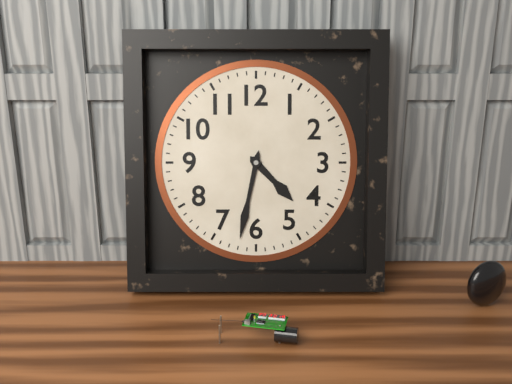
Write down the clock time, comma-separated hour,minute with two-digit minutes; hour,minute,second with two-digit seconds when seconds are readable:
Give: 4,32
